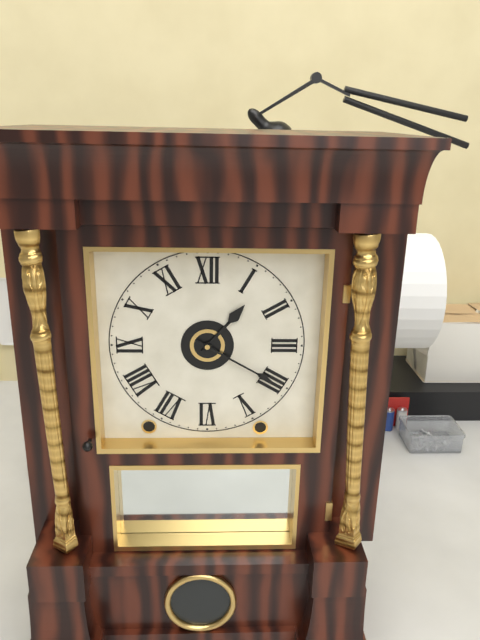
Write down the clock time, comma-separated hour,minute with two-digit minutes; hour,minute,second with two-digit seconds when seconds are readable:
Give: 1,20
